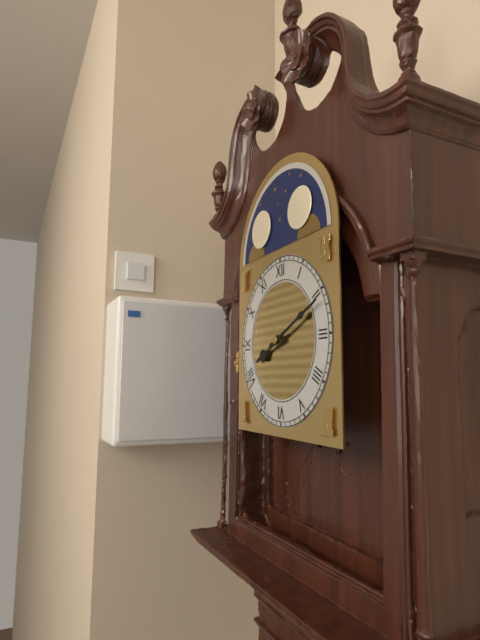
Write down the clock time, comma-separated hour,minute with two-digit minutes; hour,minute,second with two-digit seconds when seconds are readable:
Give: 8,11
